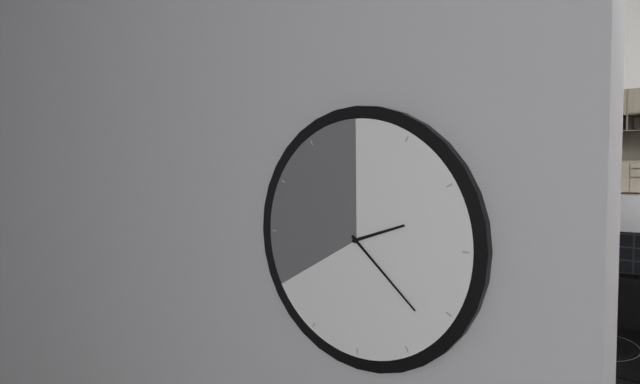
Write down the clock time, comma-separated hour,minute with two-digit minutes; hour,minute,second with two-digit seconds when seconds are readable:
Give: 2,22
